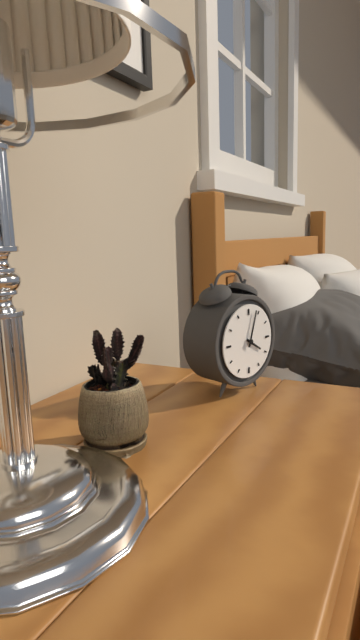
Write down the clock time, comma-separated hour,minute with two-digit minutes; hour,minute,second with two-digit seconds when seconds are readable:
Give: 4,03
